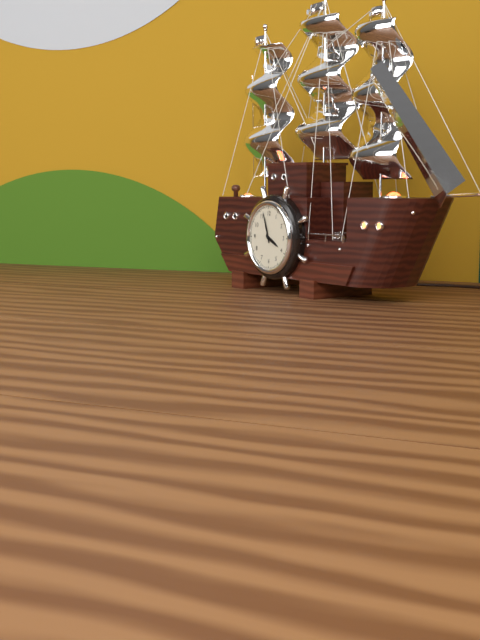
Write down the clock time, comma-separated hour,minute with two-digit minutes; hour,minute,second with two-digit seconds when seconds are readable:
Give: 3,57
